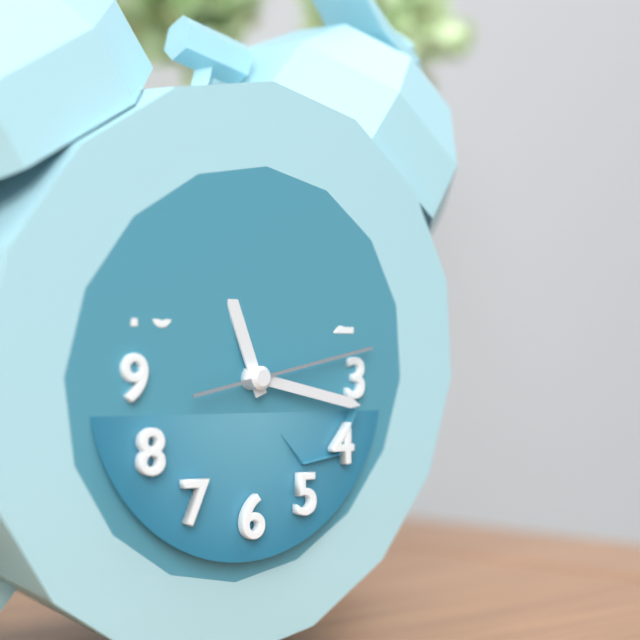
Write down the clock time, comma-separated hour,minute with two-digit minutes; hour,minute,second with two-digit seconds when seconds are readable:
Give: 11,17,13
